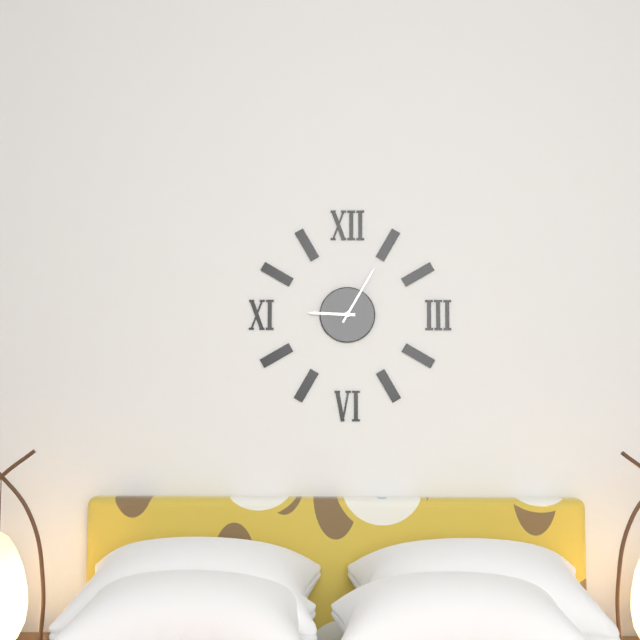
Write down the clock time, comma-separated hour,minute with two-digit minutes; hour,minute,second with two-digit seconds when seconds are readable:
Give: 9,05
